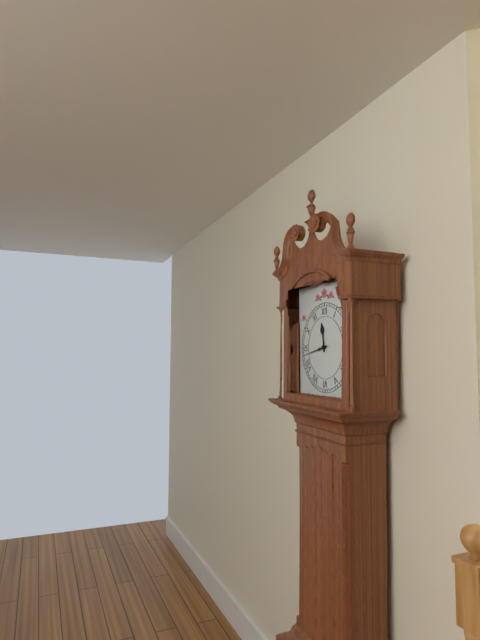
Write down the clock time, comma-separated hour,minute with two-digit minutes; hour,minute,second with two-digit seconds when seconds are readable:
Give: 11,43
